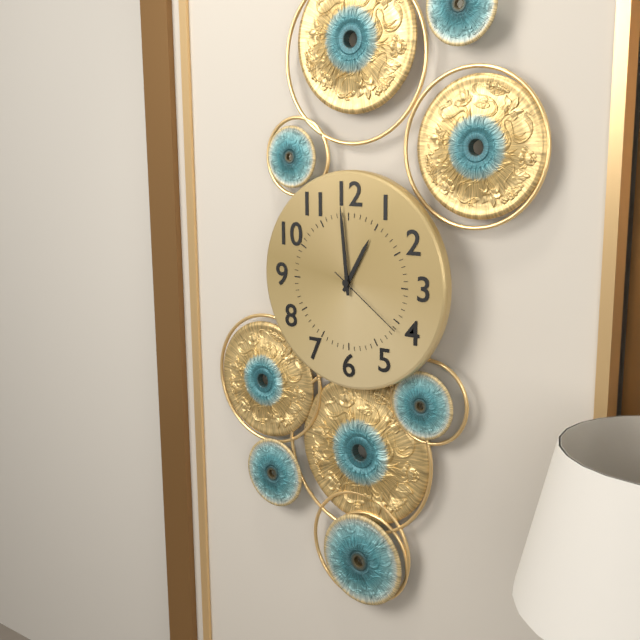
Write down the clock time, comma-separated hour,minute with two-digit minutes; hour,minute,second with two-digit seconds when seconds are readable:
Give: 12,59,21
